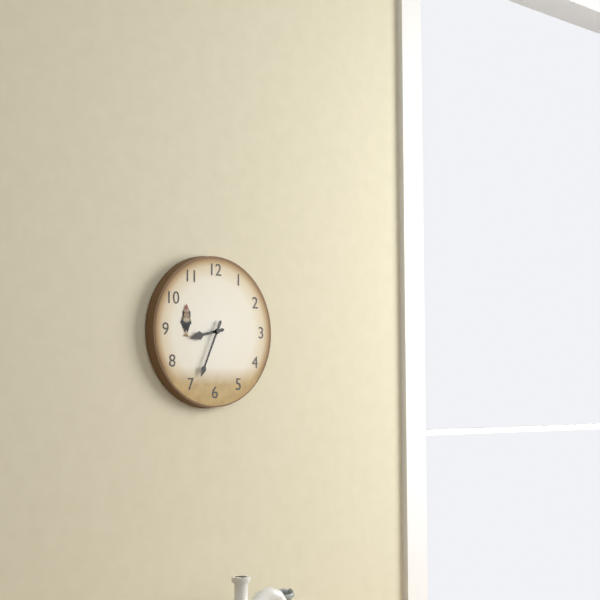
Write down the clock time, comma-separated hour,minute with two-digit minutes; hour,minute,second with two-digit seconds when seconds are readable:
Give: 8,34
